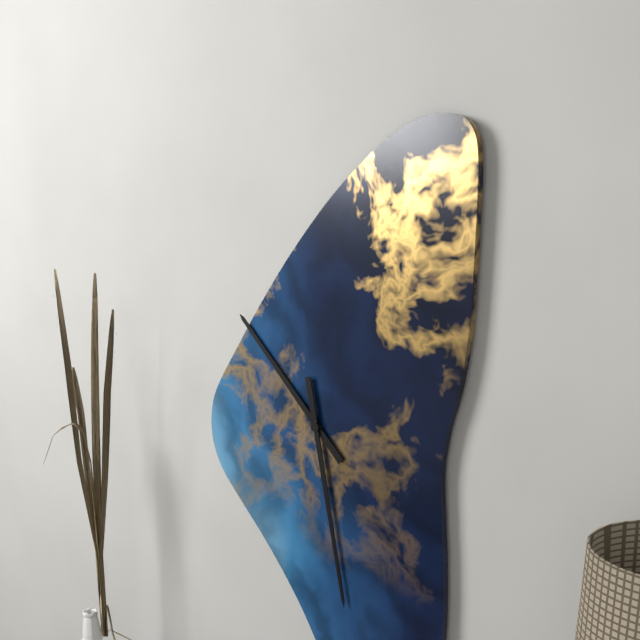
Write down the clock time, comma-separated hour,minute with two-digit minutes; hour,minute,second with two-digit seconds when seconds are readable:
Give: 10,28
